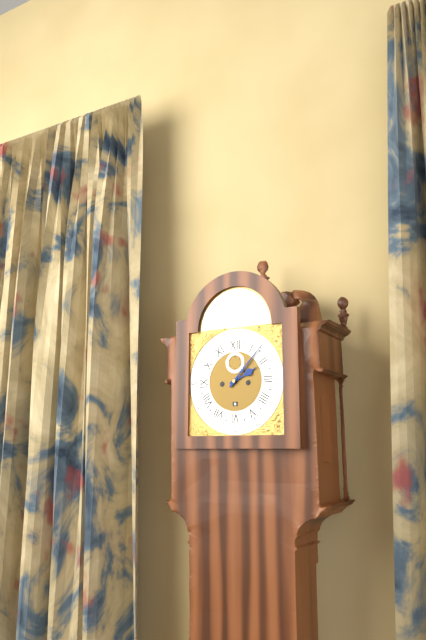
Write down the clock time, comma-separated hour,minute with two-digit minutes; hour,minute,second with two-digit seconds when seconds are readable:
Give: 2,07
